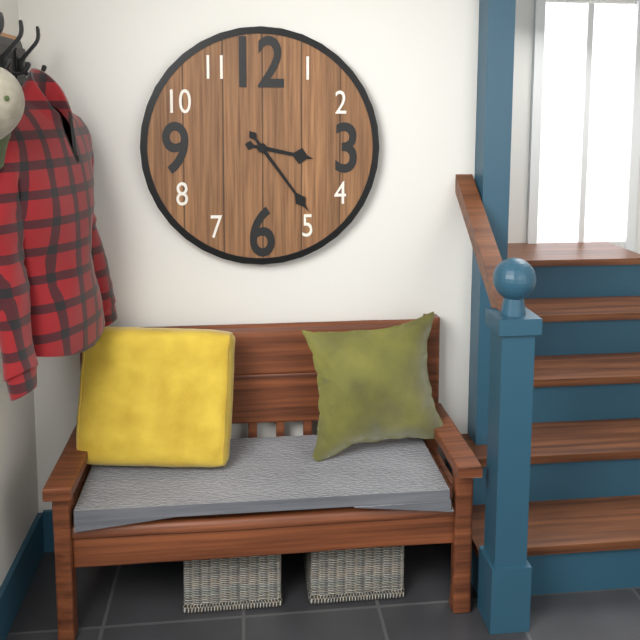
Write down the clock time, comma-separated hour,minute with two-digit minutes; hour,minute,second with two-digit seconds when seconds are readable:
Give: 3,24
